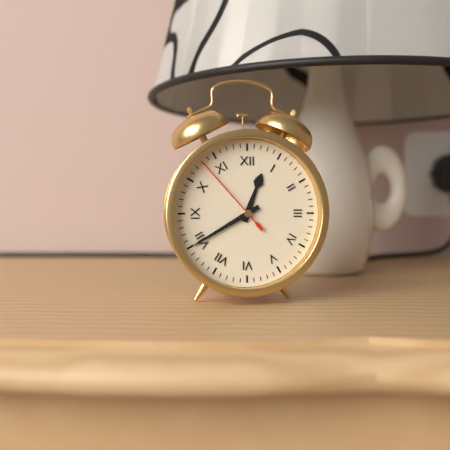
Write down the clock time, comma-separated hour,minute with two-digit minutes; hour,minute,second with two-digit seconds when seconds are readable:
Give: 12,40,53
